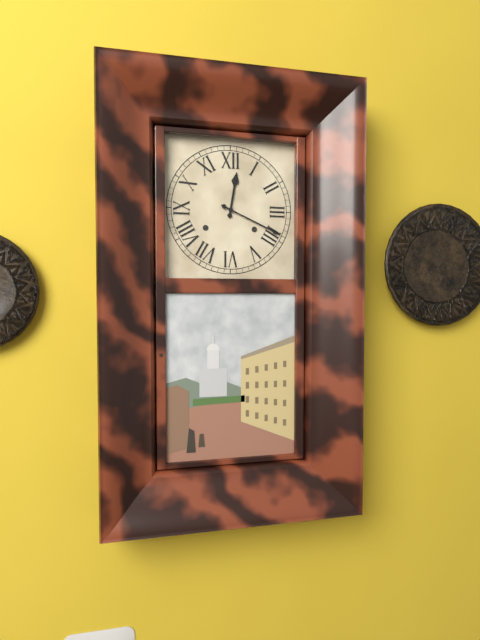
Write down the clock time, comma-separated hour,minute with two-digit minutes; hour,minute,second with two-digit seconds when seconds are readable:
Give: 12,19
